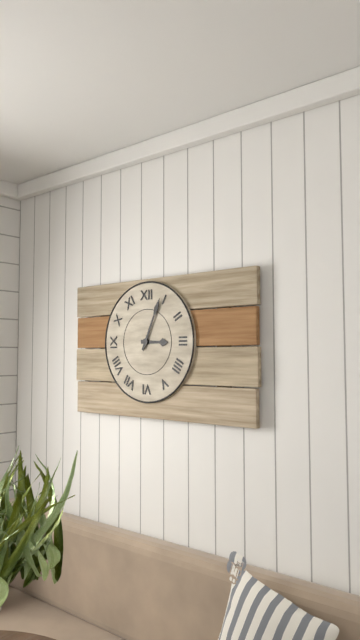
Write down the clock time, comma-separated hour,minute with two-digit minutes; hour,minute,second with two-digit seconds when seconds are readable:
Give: 3,04
